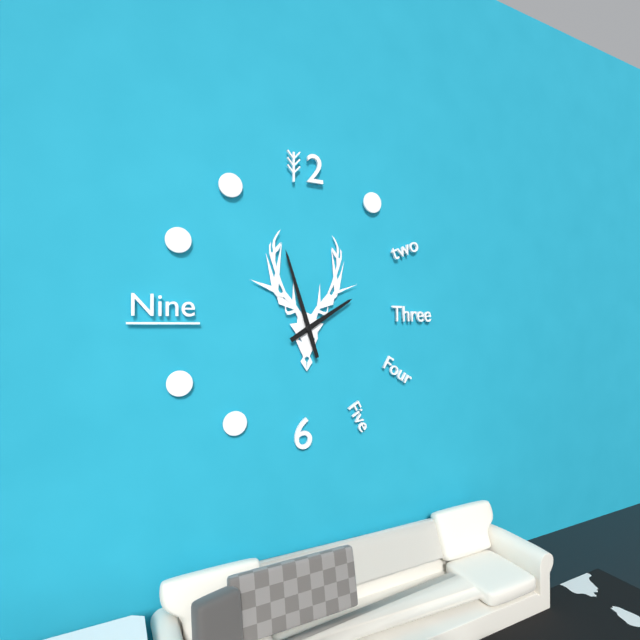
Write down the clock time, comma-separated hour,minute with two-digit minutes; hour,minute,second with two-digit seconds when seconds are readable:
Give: 1,57
